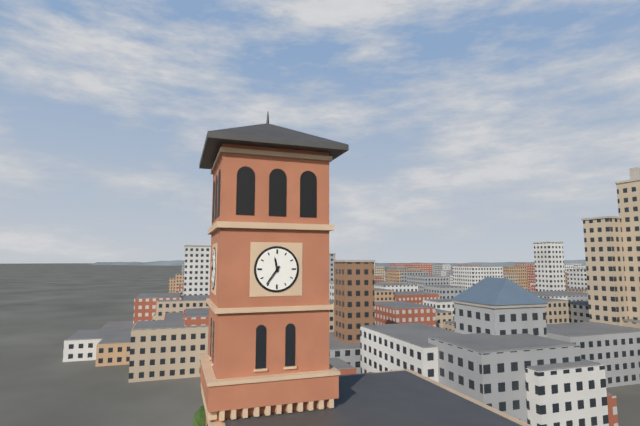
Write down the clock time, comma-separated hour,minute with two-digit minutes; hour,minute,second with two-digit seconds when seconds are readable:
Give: 11,36
